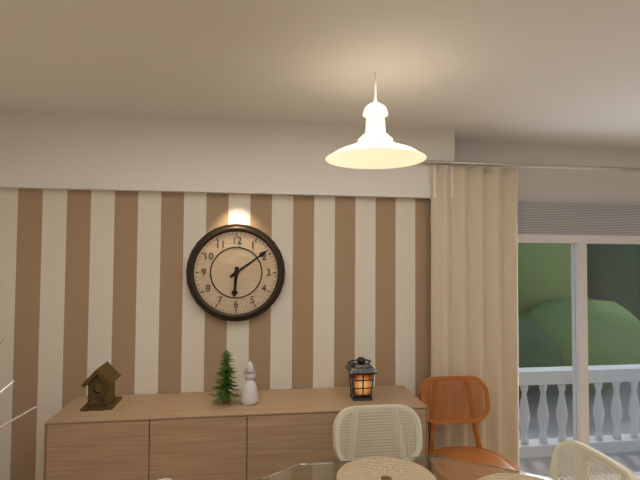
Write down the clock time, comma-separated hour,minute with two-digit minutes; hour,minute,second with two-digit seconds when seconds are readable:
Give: 6,09
